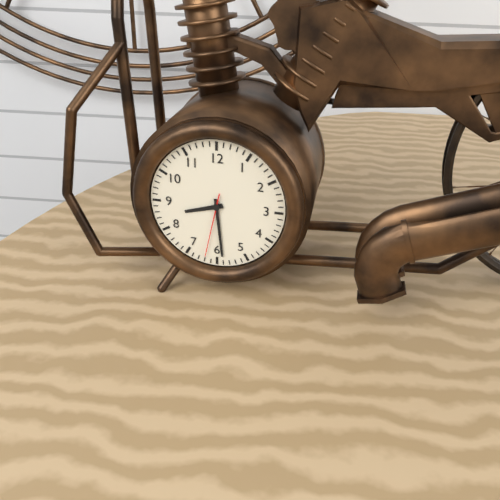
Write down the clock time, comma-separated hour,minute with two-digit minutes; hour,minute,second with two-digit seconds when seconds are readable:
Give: 8,29,32
